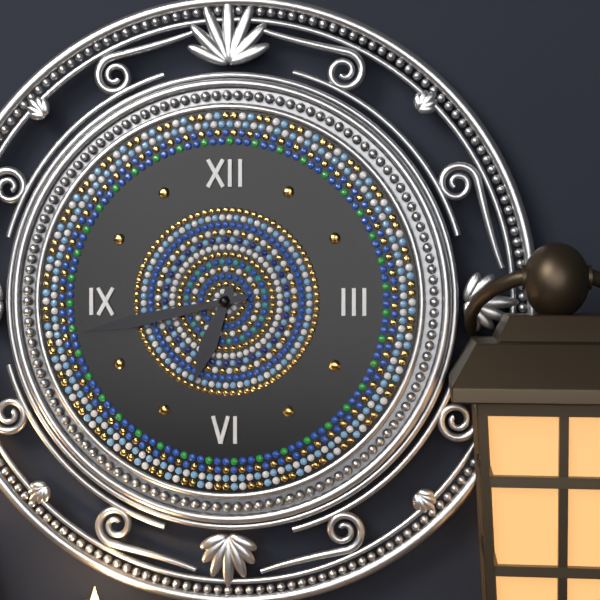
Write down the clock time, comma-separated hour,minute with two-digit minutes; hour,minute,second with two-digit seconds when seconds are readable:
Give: 6,43
